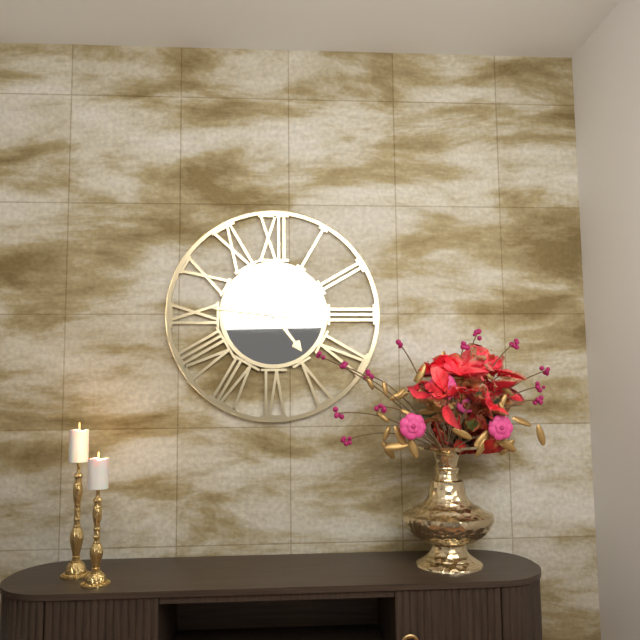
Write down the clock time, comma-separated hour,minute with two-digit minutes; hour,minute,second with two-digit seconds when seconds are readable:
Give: 4,46
